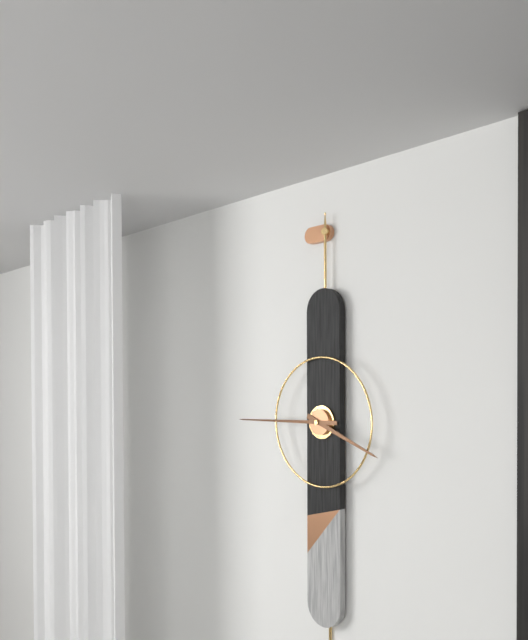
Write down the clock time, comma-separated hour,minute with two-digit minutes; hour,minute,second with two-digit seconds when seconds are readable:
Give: 3,45
